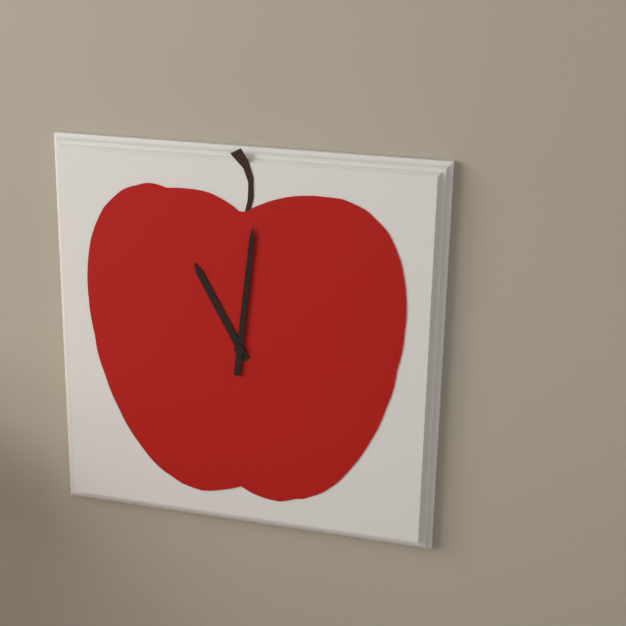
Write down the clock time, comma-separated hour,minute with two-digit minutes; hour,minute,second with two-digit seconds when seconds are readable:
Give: 11,01
